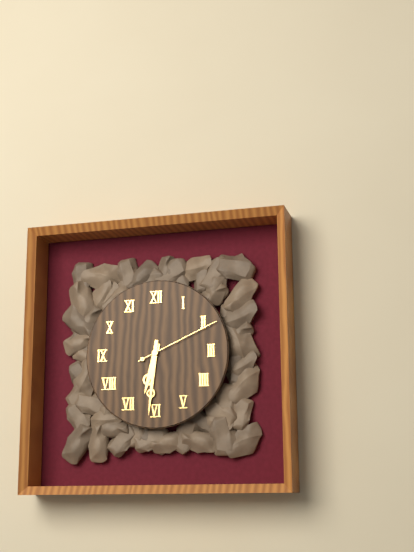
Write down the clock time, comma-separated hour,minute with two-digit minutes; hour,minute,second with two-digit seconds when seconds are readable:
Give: 6,31,11
